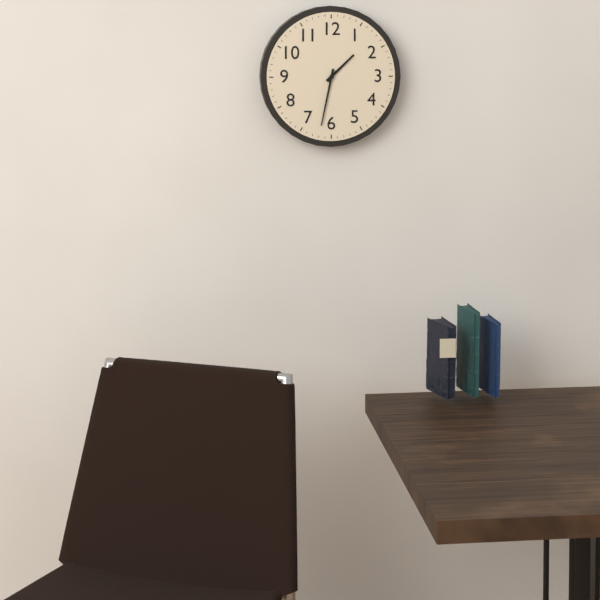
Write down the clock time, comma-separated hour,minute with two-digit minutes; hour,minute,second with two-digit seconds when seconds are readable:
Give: 1,32
